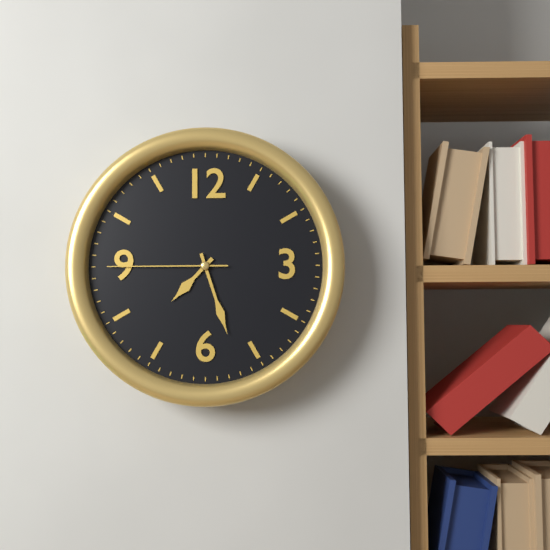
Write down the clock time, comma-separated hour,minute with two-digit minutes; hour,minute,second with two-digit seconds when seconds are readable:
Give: 7,27,45
